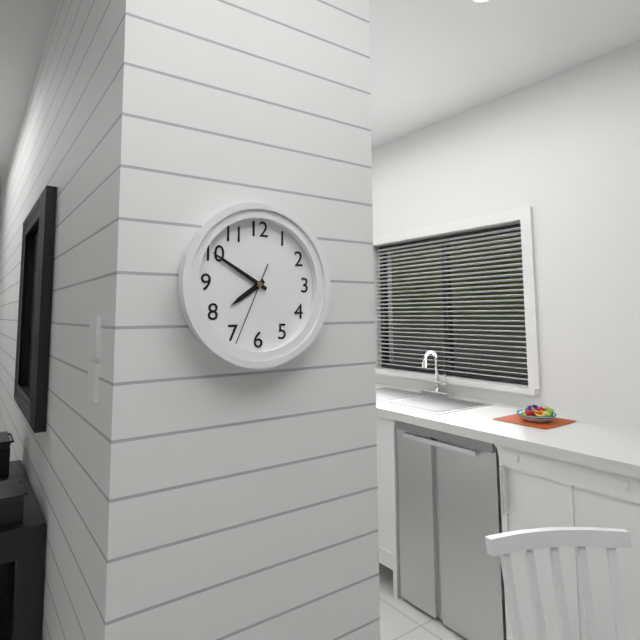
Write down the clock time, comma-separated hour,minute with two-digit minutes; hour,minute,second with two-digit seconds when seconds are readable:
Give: 7,50,34
